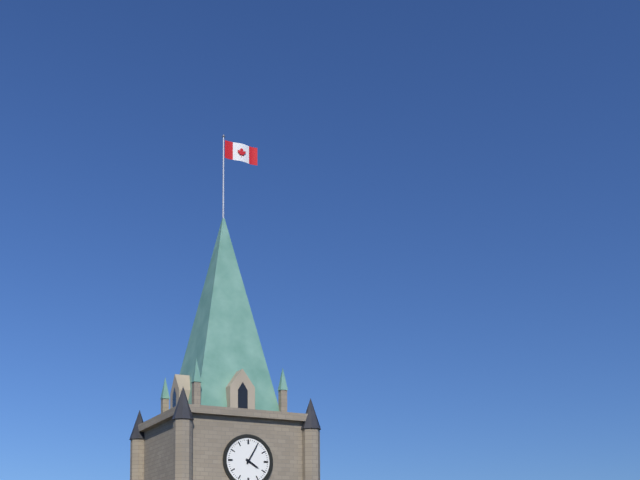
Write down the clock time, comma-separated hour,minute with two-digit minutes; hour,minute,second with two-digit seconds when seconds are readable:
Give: 4,05
